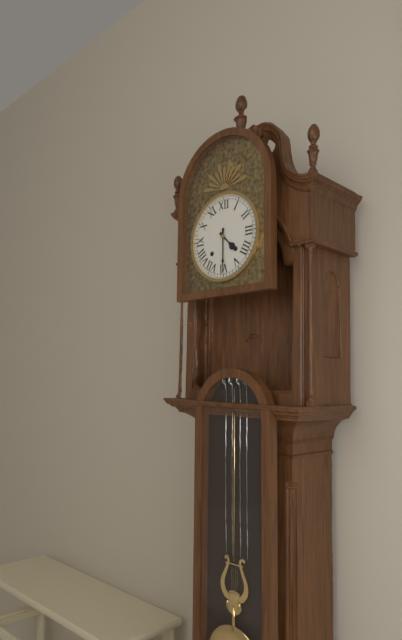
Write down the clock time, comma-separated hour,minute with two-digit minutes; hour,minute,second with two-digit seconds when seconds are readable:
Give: 4,30
